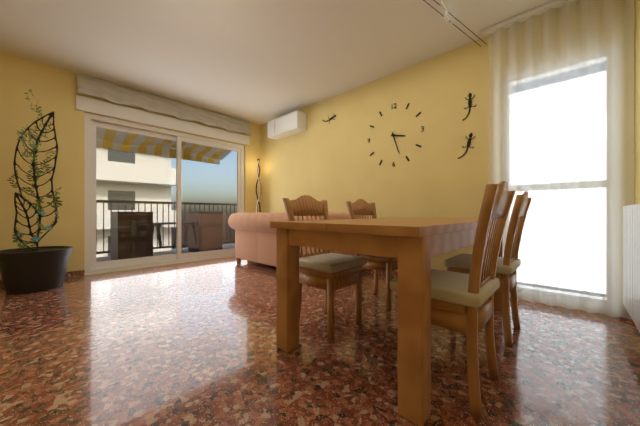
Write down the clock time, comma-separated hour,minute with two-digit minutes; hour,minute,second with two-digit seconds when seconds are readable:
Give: 3,27
